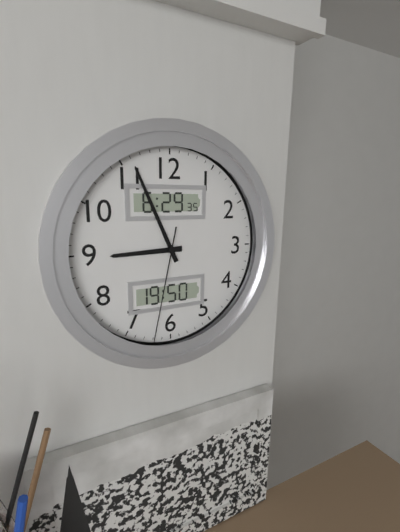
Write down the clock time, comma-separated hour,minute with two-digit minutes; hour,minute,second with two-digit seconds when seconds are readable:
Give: 8,56,32
